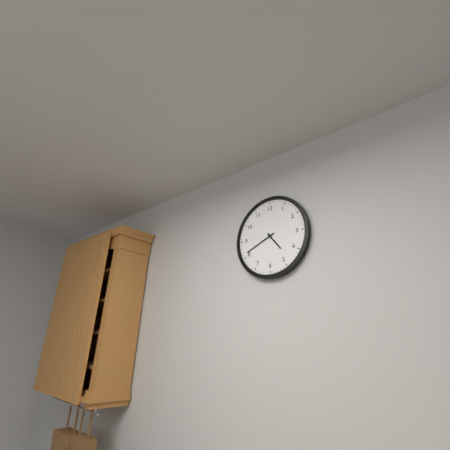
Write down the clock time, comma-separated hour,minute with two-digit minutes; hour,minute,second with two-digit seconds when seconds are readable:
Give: 4,41
